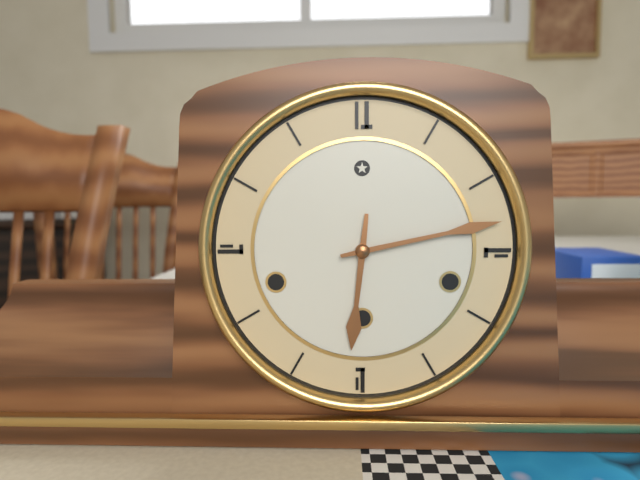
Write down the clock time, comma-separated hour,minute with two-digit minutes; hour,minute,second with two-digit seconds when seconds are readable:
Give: 6,13
